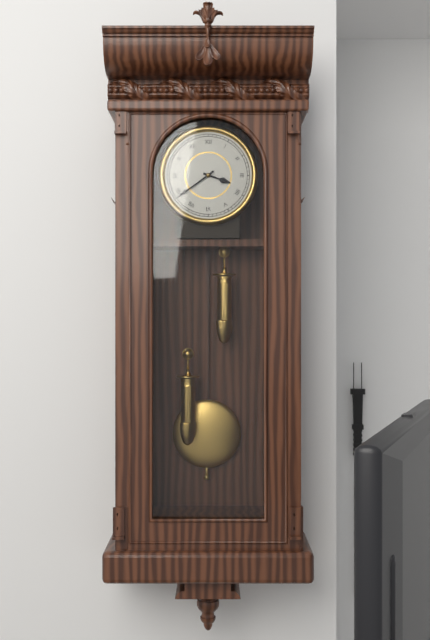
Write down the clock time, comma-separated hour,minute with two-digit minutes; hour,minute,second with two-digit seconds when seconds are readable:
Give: 3,39
